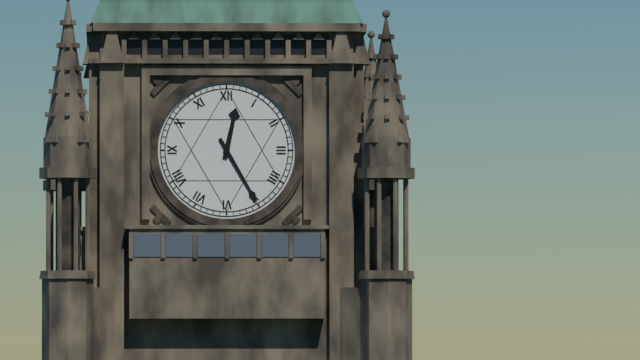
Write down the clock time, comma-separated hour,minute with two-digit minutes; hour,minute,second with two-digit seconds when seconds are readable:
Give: 12,25
